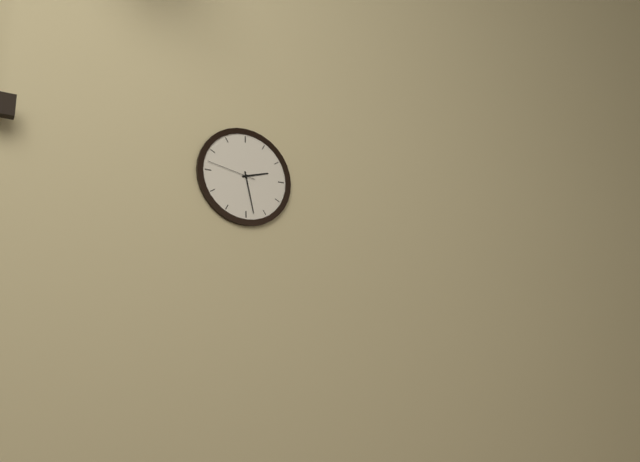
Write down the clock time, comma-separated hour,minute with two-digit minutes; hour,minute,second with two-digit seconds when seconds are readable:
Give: 2,28,47
